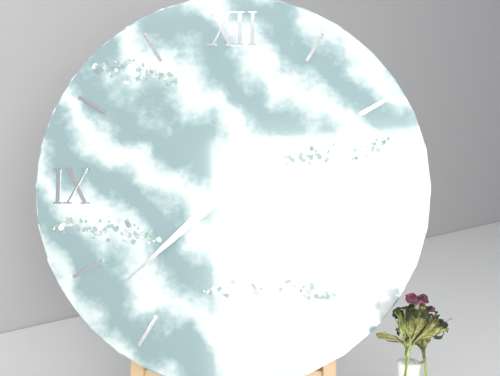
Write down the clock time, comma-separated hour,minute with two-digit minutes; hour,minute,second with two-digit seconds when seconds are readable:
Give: 7,38
